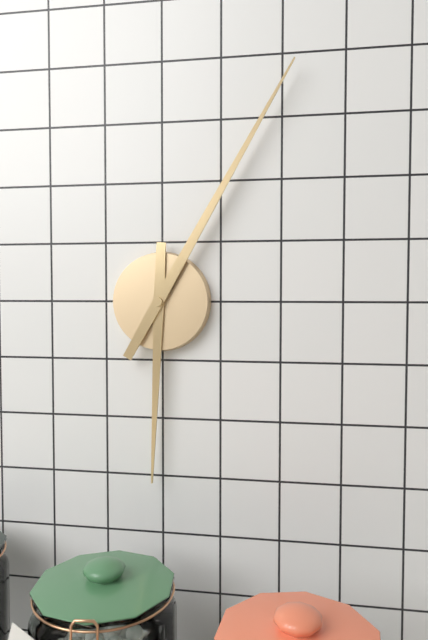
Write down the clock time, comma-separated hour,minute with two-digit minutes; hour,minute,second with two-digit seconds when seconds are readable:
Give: 6,05
